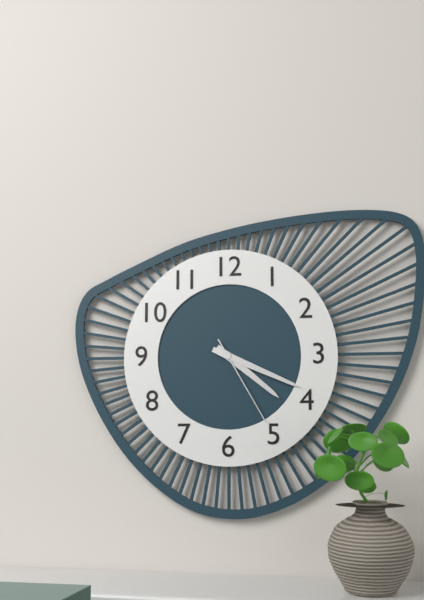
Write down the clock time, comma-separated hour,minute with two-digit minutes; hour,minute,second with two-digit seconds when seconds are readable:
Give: 4,19,25
